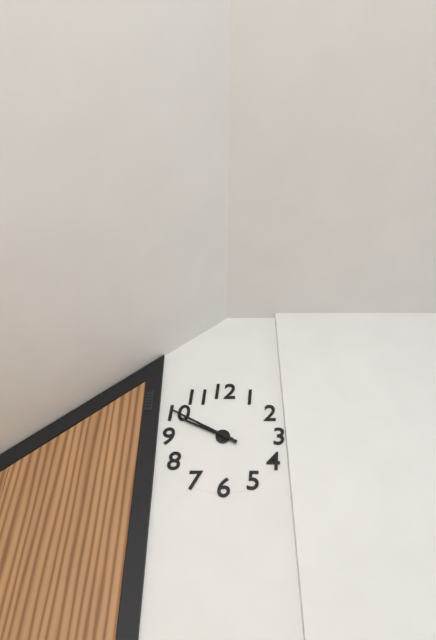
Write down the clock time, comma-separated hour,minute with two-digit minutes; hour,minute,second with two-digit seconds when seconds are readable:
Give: 9,50
